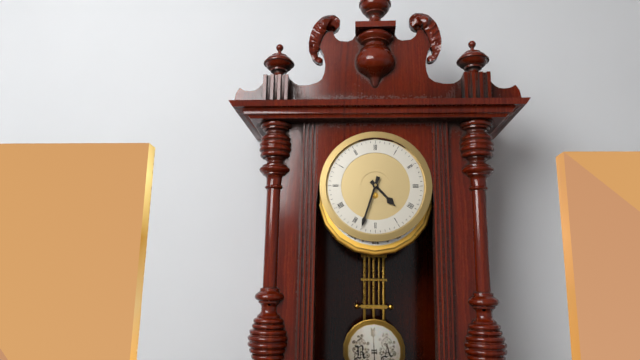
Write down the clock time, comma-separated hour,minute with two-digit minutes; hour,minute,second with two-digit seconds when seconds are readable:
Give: 4,33
